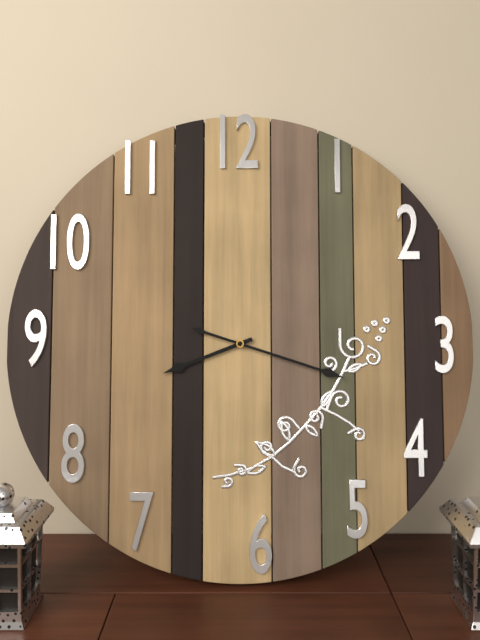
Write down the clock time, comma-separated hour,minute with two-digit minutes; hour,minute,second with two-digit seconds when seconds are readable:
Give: 8,18
